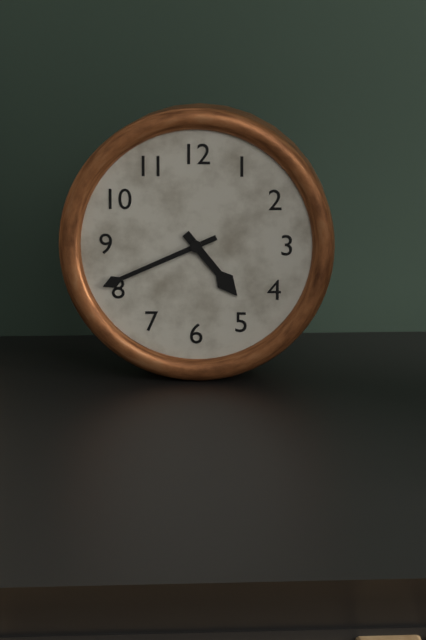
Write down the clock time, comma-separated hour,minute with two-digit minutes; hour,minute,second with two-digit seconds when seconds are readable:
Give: 4,41
